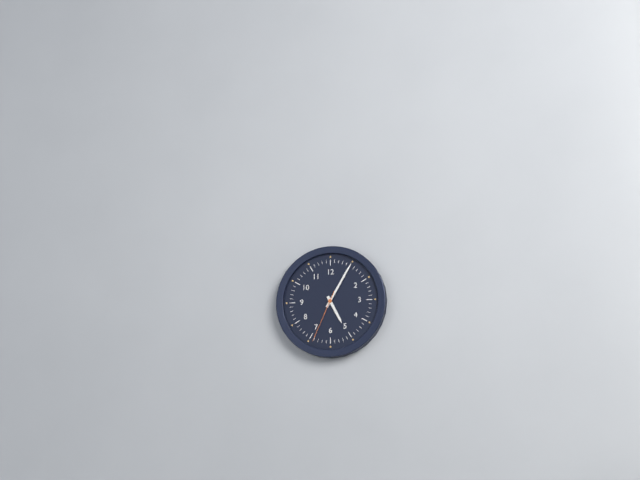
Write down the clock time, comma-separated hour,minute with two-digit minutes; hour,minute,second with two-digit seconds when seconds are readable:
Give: 5,05,34
